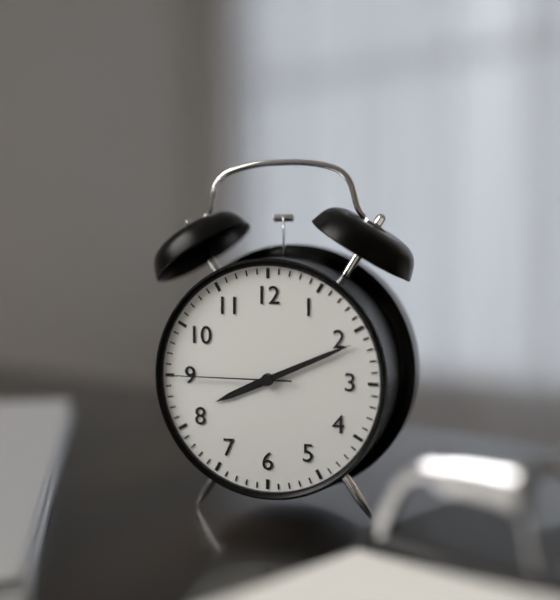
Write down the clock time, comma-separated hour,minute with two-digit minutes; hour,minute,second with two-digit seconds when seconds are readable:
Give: 8,11,45
